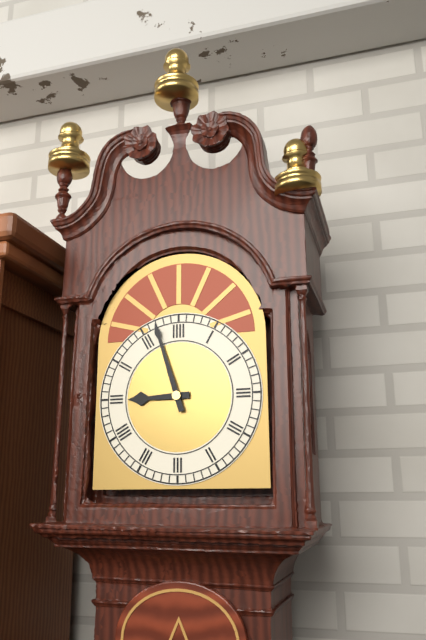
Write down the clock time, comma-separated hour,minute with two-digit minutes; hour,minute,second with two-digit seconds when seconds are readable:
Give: 8,57
